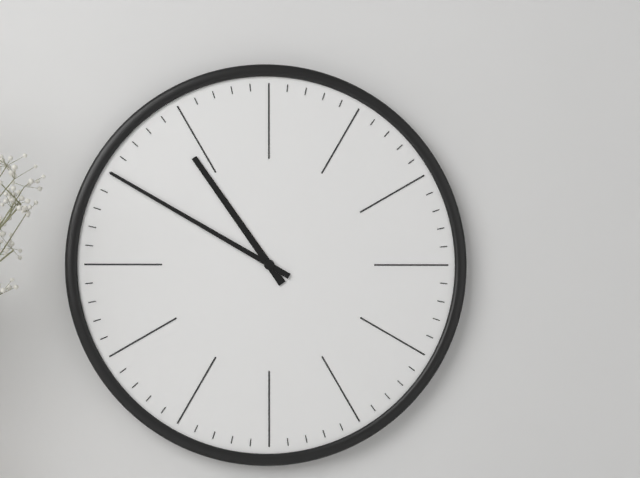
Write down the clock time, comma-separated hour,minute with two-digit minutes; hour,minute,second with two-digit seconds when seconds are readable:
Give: 10,50
